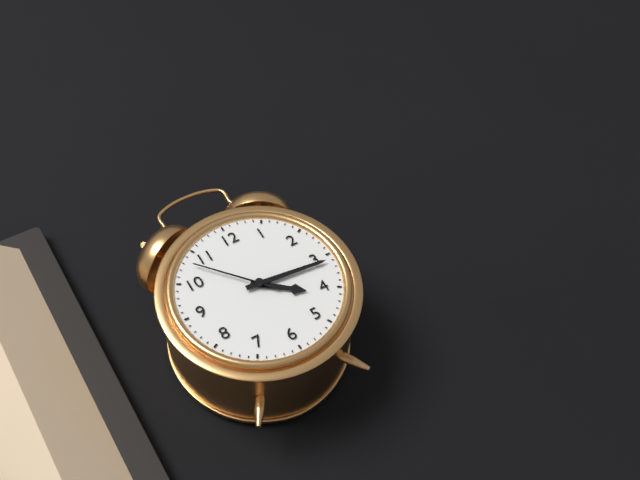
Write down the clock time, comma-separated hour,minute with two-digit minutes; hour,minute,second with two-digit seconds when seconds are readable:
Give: 4,16,53
